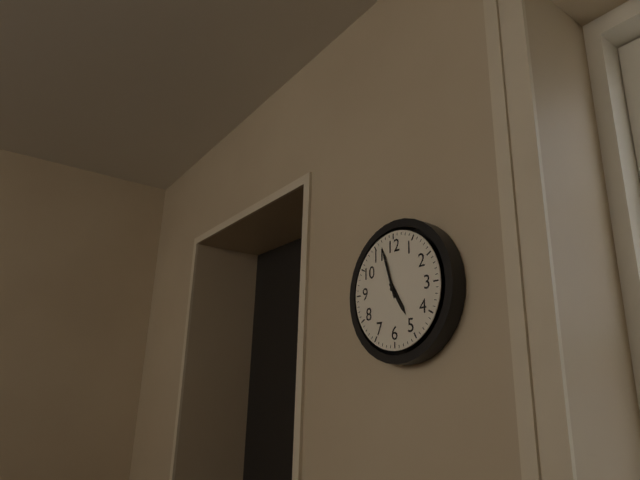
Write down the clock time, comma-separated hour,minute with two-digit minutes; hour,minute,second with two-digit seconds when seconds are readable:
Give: 4,57
